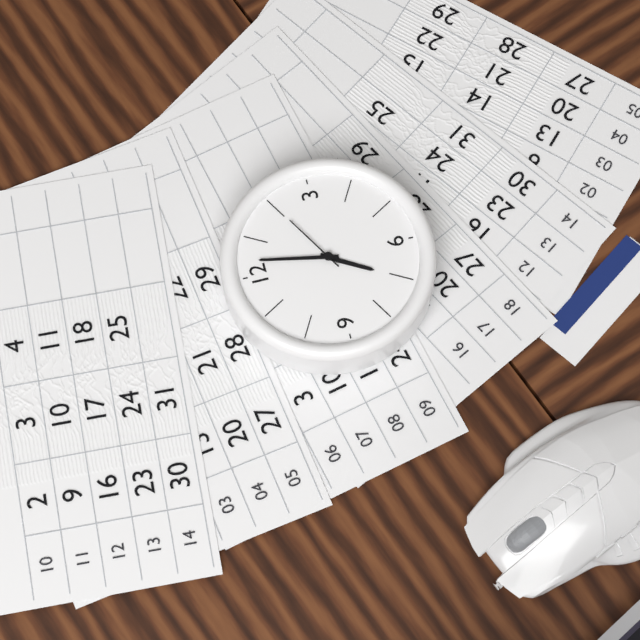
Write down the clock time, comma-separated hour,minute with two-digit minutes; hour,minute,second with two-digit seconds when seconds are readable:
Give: 7,02,10
